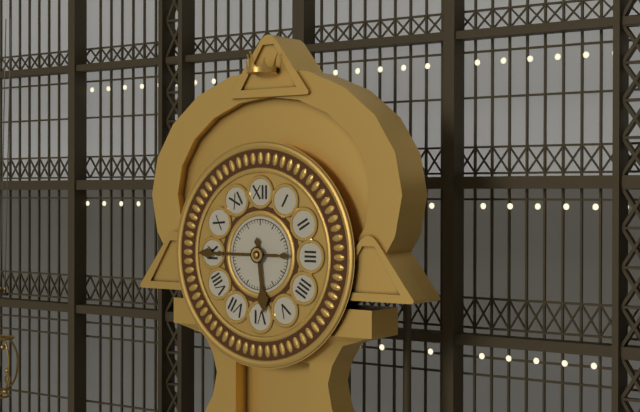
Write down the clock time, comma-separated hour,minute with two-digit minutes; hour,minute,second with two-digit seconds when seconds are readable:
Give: 5,45
